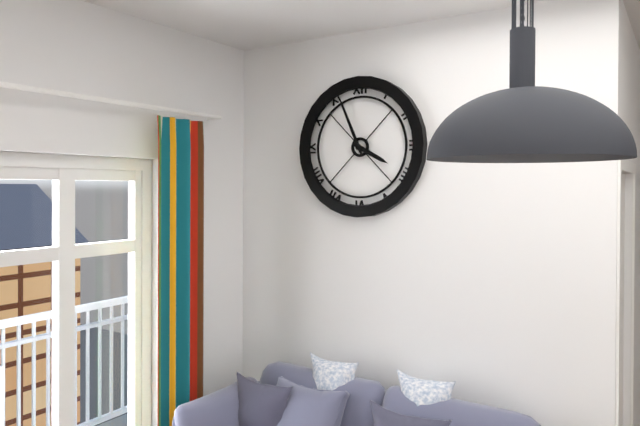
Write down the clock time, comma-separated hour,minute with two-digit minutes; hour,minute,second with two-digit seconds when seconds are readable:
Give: 3,56
